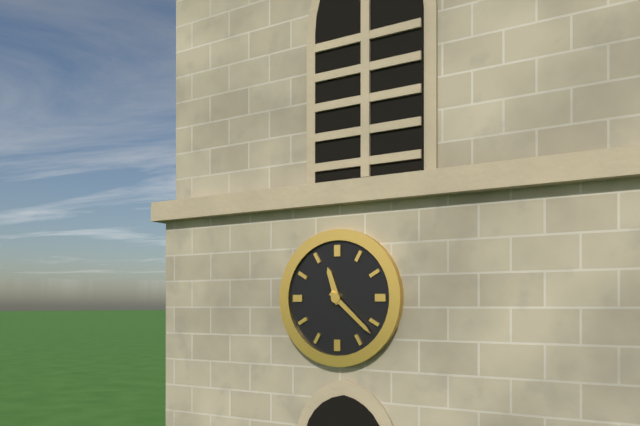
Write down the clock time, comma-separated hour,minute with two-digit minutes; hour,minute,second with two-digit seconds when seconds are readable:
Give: 11,22
